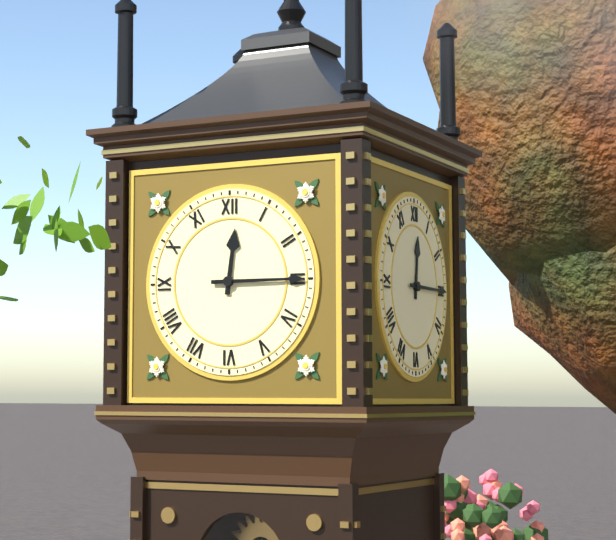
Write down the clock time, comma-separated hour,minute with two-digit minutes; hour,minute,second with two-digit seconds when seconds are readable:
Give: 12,15
